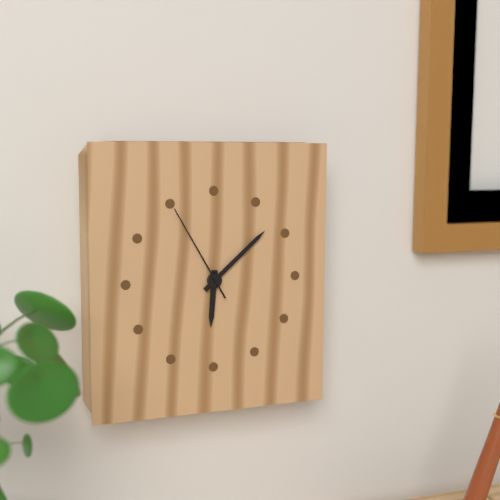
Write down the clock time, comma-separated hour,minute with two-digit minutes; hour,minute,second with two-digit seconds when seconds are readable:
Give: 6,08,55
